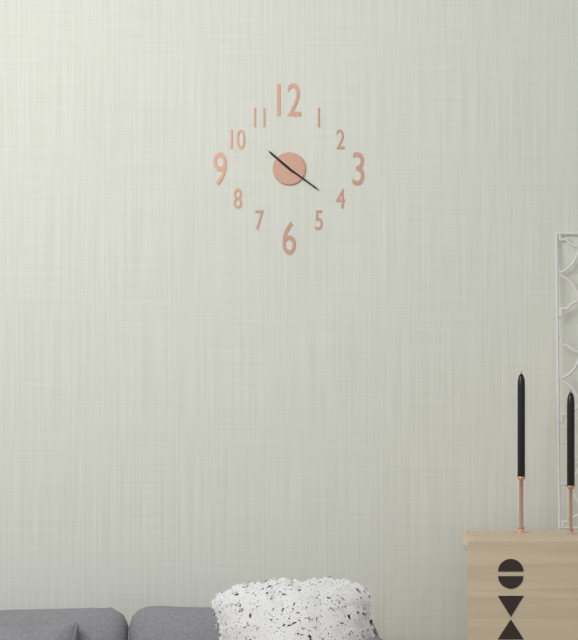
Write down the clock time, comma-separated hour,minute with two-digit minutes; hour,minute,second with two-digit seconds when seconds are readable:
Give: 10,21
